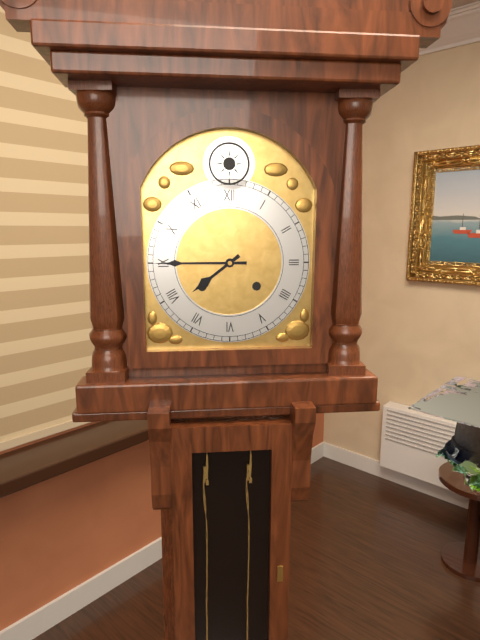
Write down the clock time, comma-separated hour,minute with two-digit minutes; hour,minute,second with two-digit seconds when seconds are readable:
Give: 7,45
